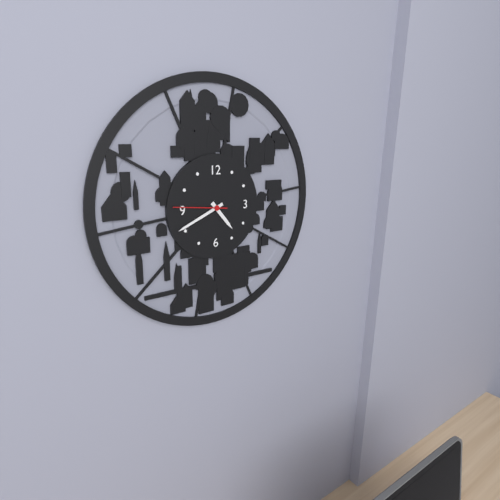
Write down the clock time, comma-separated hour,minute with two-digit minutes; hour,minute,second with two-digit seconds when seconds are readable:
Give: 4,41
